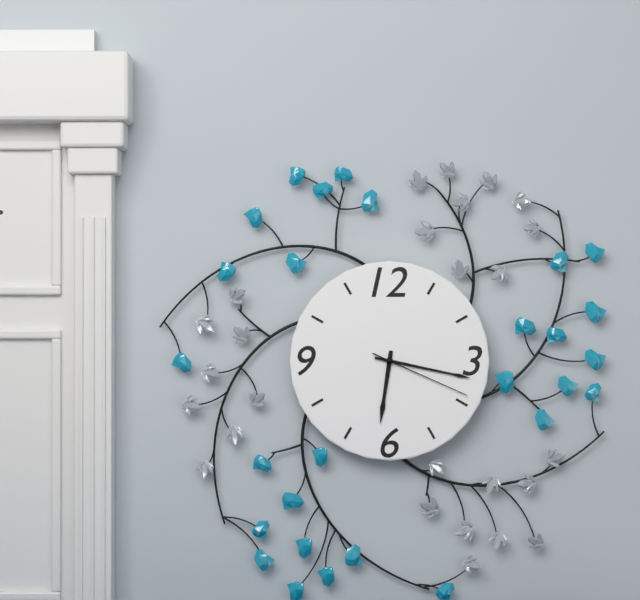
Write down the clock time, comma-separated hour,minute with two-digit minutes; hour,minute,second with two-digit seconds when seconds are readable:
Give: 6,17,19
